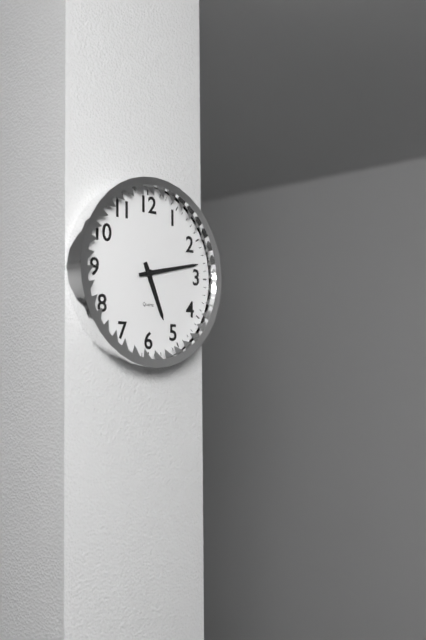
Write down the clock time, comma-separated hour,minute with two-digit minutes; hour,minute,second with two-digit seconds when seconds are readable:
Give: 5,13
